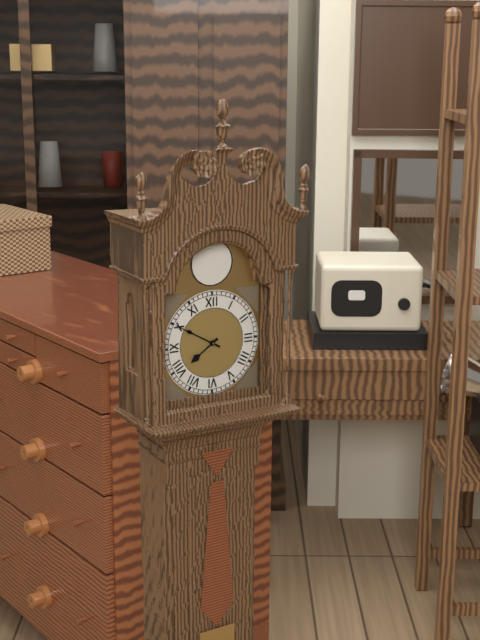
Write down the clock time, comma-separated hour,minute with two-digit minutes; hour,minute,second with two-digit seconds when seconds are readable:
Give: 7,50
